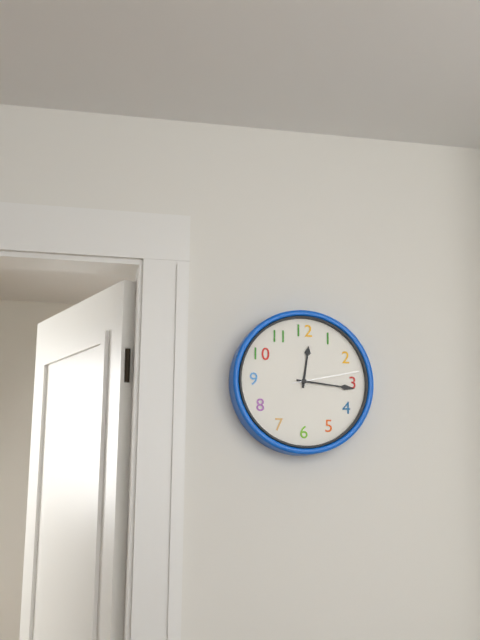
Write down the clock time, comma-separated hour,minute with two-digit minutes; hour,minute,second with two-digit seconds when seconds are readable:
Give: 12,16,13
